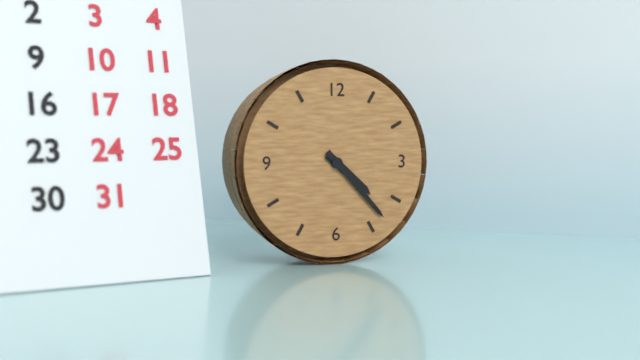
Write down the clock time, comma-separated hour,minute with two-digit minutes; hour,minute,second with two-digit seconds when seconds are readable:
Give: 4,23
